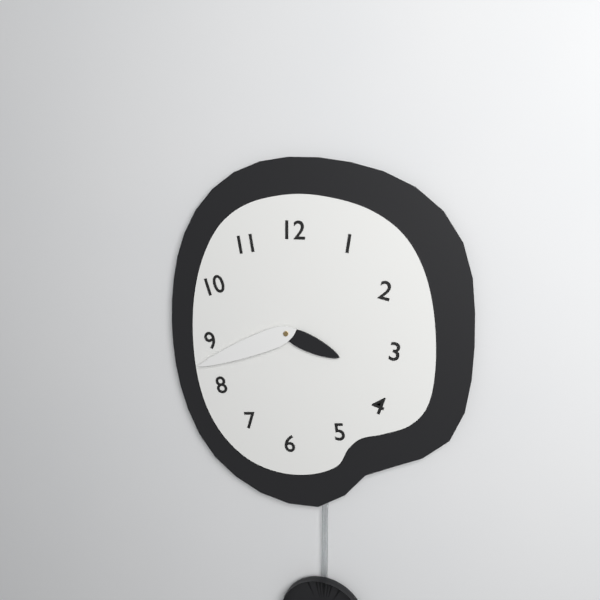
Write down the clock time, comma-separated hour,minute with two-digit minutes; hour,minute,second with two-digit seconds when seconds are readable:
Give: 3,41
